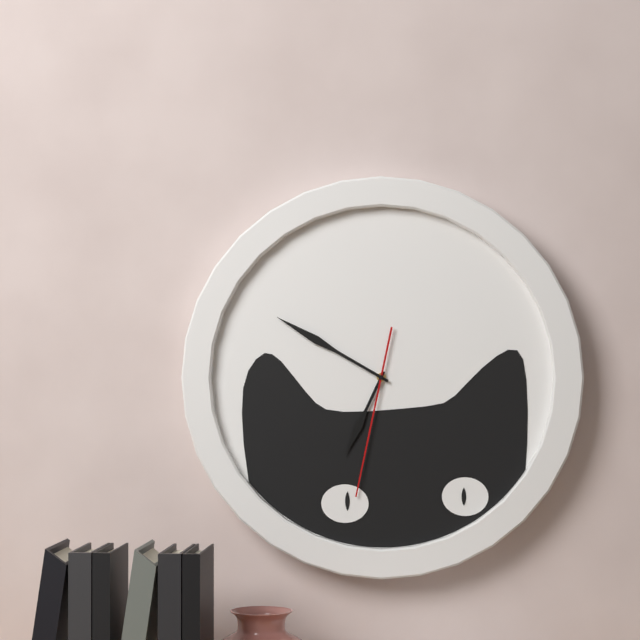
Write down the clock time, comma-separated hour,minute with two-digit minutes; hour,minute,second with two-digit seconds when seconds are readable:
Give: 6,50,32
